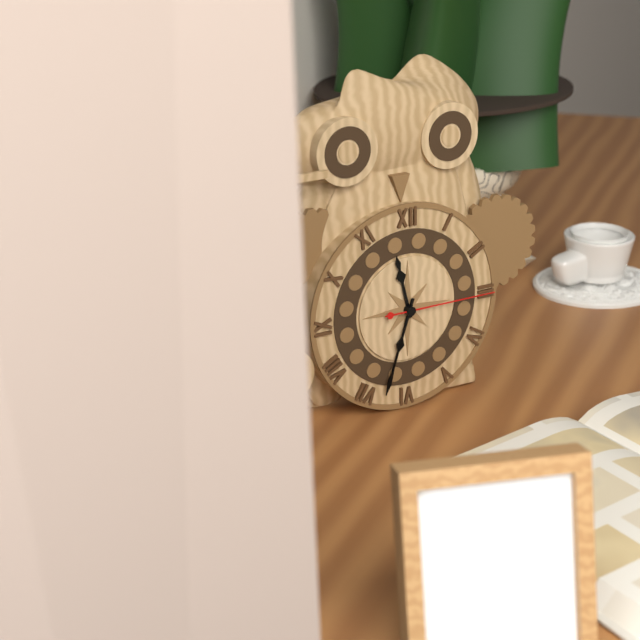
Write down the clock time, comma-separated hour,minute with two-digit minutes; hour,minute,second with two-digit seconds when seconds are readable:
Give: 11,33,15
